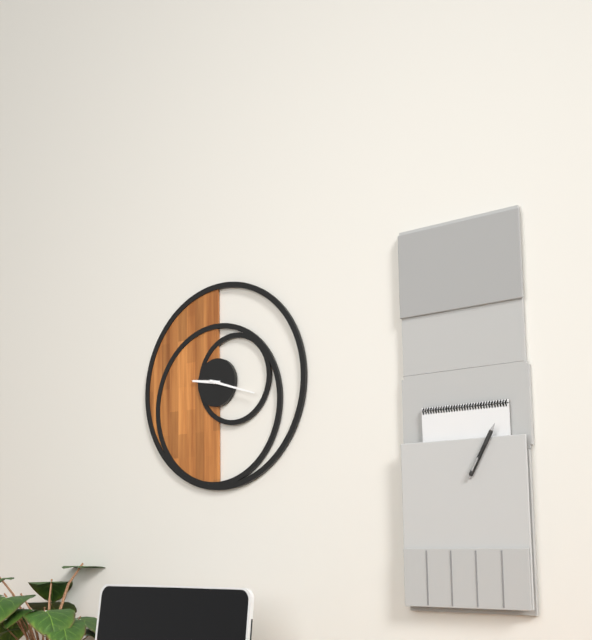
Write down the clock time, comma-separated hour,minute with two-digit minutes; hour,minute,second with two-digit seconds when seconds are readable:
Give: 9,18
